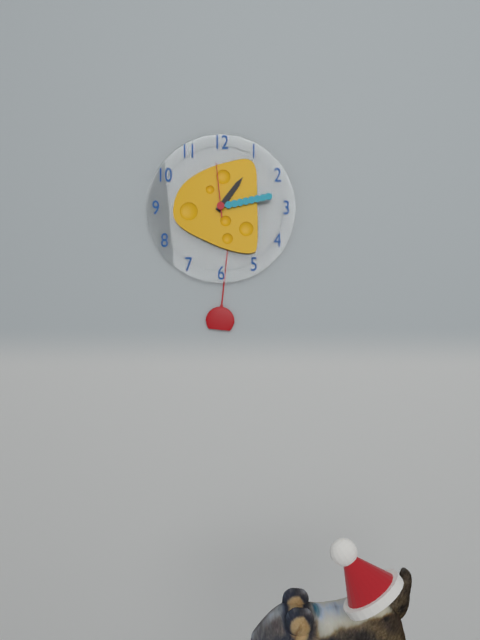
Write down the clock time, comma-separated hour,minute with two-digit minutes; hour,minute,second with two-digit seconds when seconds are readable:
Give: 1,13,59
